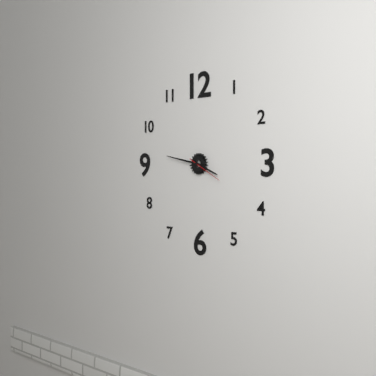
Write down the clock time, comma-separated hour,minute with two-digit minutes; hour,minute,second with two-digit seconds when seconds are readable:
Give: 3,47
